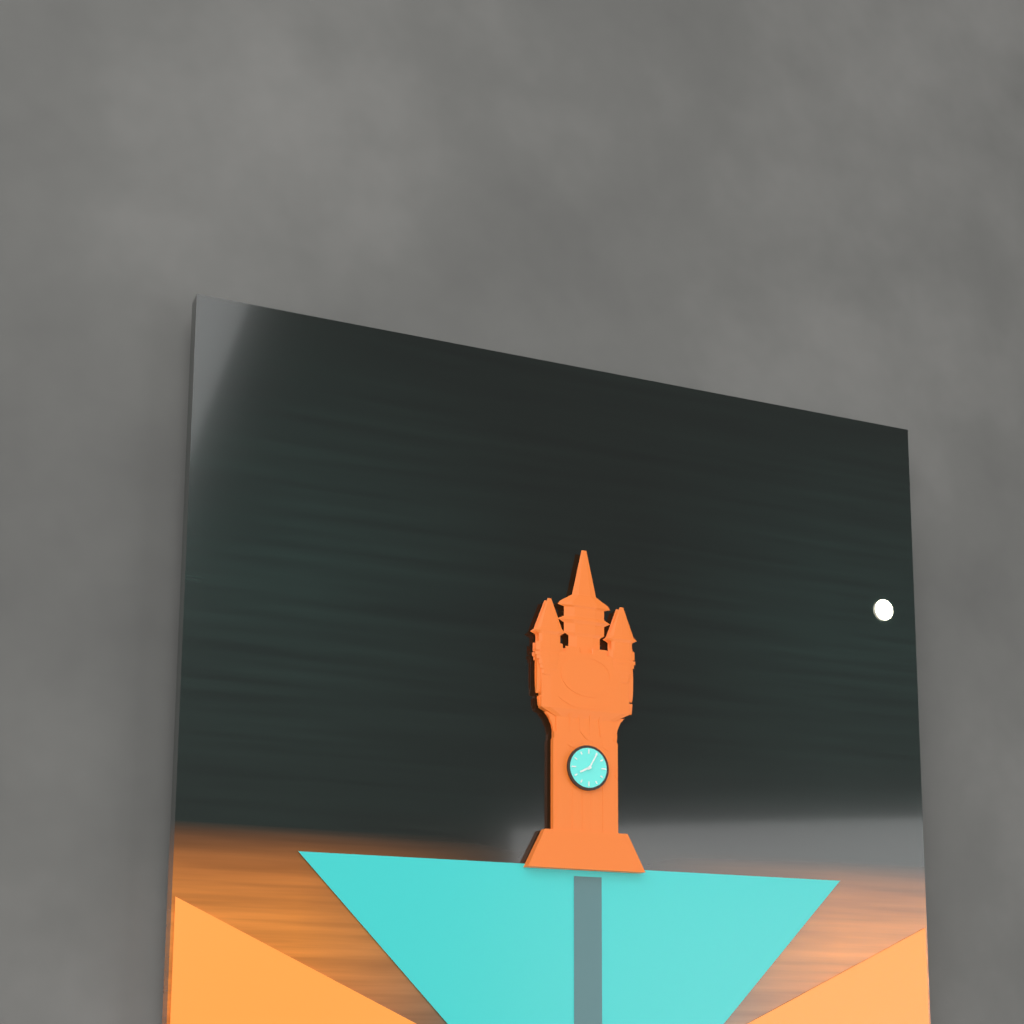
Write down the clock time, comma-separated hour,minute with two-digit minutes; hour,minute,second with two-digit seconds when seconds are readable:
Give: 8,05
